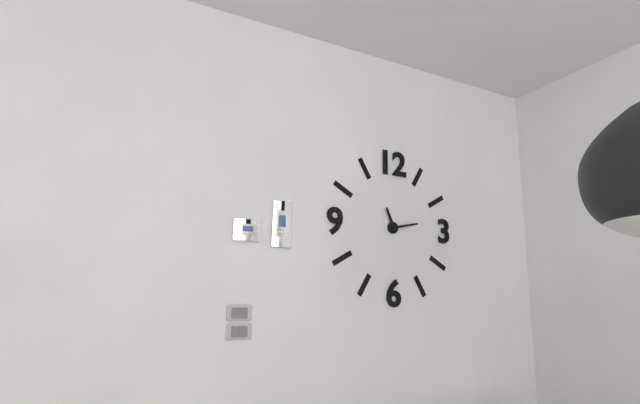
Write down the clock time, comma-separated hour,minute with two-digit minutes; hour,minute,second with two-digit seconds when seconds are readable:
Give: 11,13
